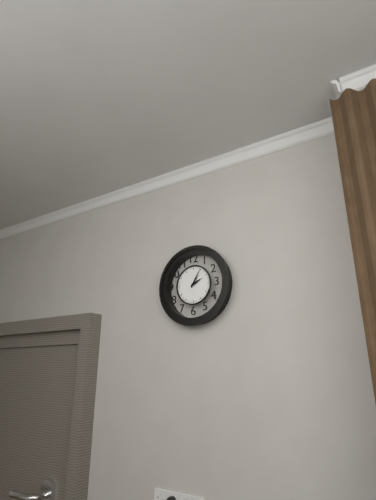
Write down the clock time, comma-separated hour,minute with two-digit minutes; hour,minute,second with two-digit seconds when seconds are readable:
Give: 2,05
